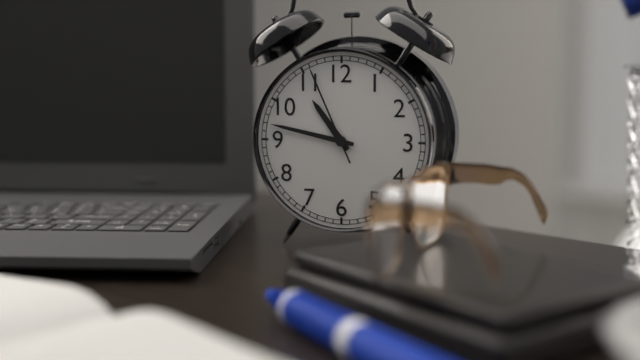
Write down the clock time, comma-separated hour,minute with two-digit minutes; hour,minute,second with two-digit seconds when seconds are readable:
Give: 10,47,56
